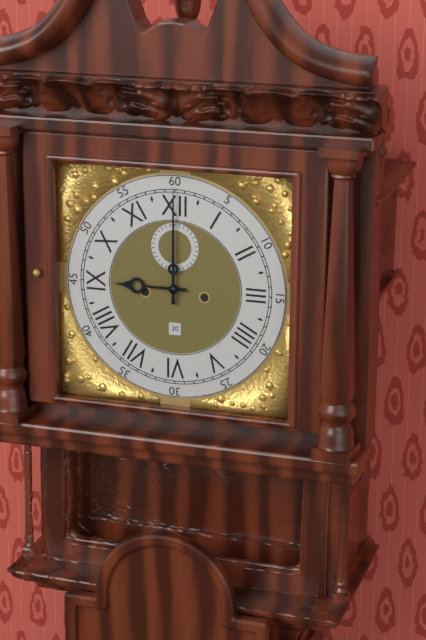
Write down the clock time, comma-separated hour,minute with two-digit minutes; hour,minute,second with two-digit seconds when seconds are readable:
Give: 9,00
